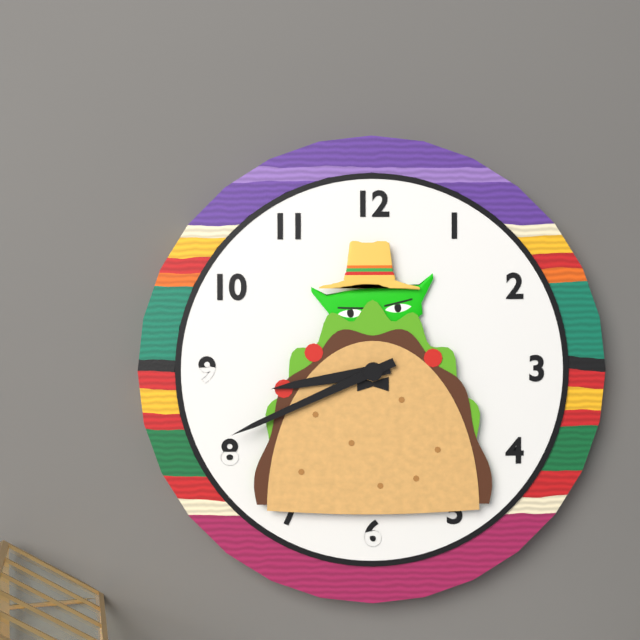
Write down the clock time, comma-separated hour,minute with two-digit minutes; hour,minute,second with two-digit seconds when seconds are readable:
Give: 8,41
